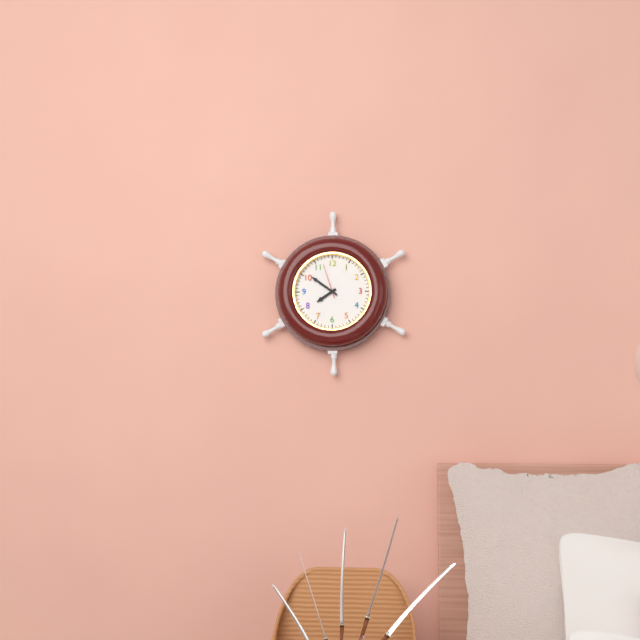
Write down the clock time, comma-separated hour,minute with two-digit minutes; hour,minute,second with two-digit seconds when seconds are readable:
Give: 7,51
